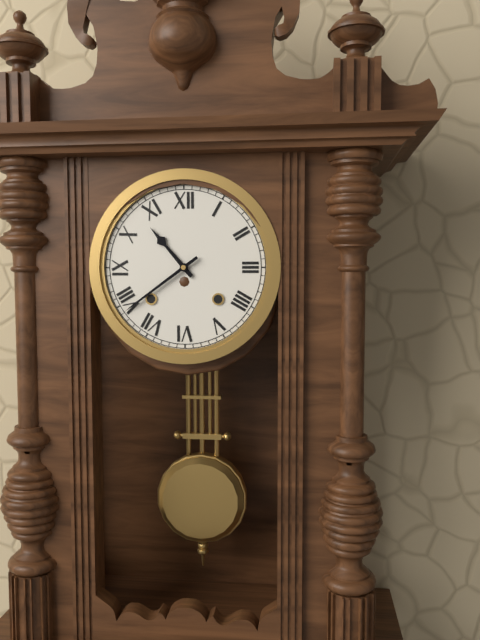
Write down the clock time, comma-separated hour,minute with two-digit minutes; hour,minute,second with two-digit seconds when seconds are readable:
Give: 10,39
